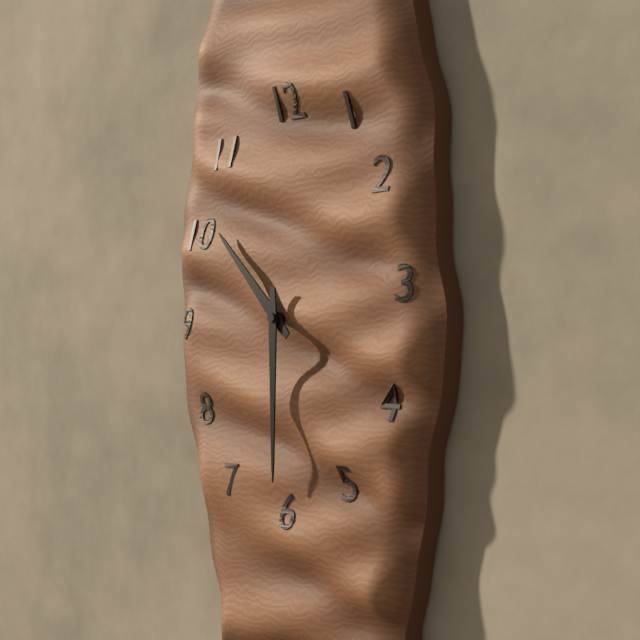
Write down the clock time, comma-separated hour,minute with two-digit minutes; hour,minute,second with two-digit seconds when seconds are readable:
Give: 10,30
